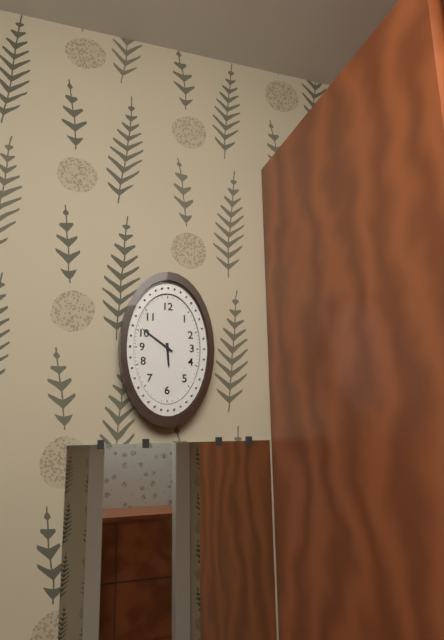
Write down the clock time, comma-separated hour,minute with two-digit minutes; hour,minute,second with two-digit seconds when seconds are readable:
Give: 5,51
